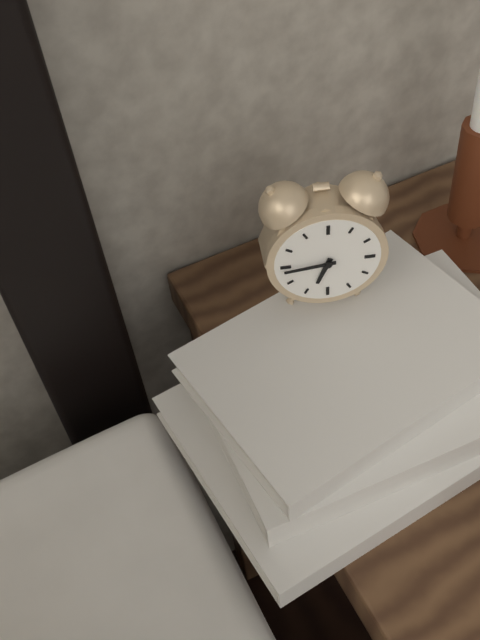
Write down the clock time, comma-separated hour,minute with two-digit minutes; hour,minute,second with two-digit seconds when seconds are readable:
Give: 6,44
